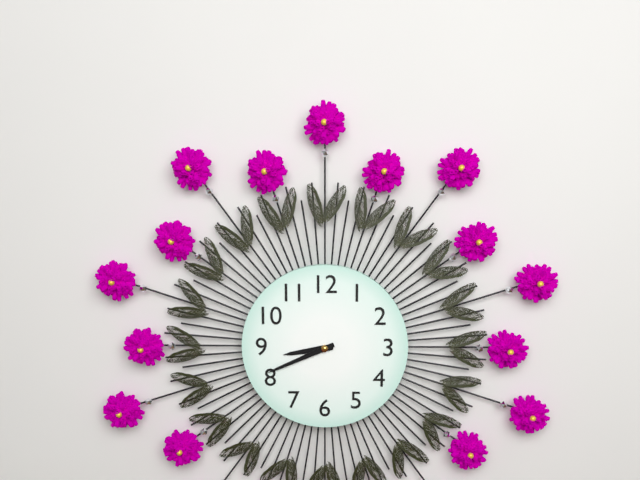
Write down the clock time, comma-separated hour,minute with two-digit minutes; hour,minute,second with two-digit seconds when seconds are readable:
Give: 8,41
